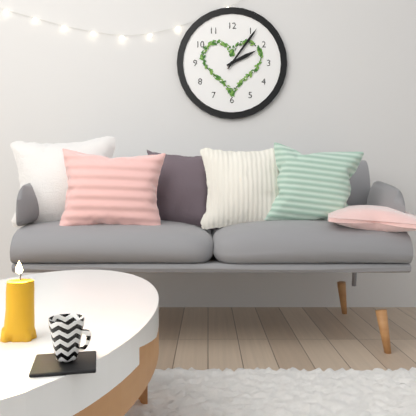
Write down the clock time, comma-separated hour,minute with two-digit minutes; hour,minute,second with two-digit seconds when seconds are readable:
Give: 2,06
